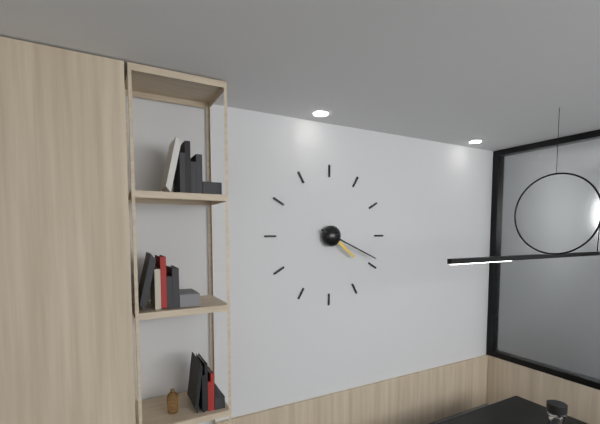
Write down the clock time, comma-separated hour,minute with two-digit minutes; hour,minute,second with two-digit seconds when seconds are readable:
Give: 4,19
